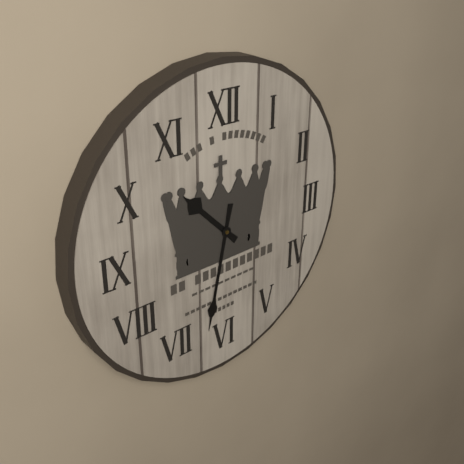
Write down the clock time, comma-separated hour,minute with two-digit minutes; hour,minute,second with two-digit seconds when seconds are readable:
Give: 10,32
